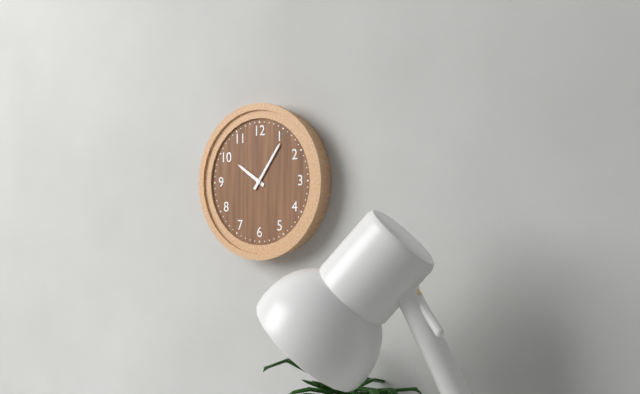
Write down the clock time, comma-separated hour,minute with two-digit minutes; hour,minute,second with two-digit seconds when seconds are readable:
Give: 10,06
